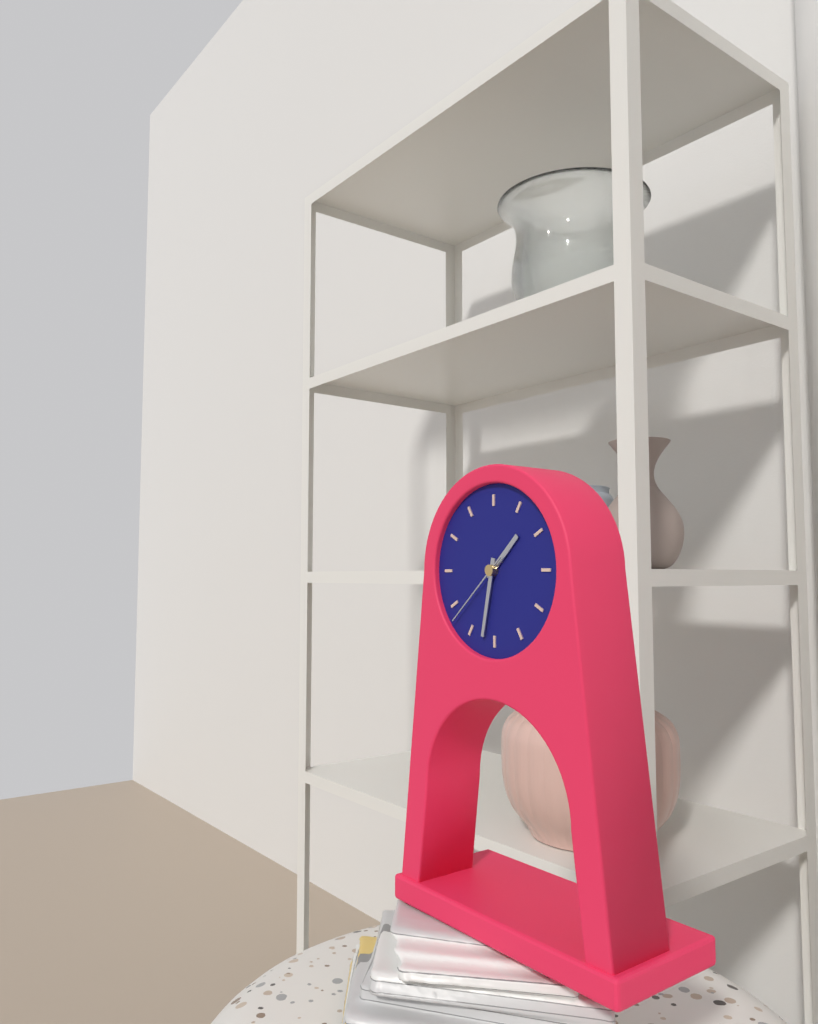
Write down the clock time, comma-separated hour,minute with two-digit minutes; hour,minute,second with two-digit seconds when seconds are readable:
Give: 1,32,38
